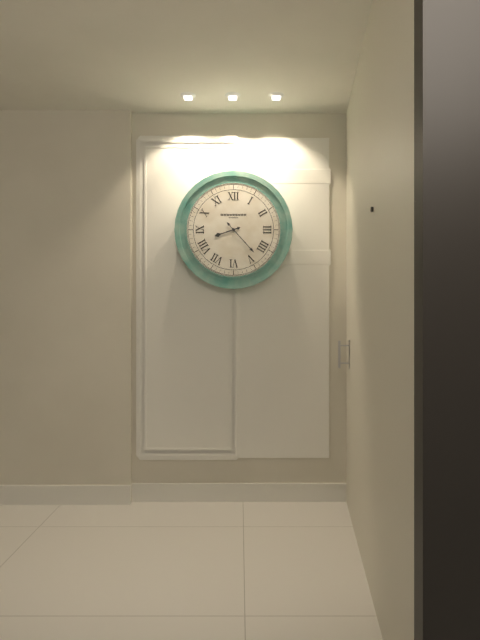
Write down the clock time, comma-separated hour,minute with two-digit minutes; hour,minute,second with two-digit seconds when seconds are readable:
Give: 8,23
